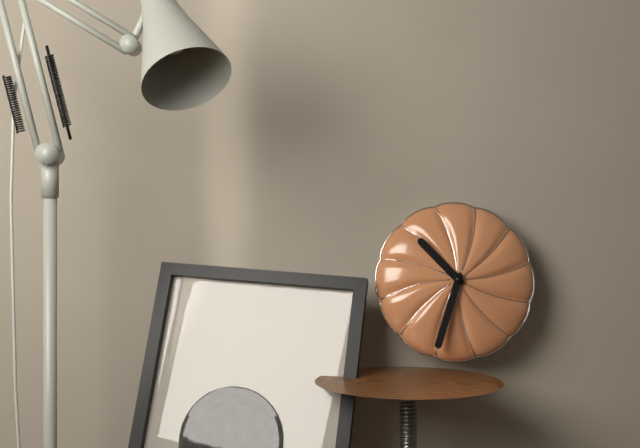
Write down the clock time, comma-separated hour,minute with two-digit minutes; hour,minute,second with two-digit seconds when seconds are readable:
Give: 10,33
